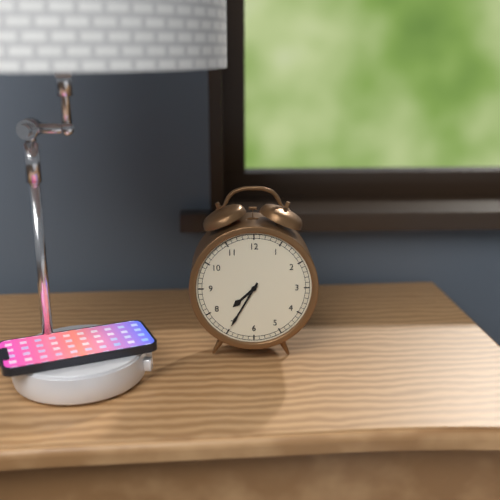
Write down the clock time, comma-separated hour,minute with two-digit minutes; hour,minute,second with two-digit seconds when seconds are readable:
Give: 7,35
